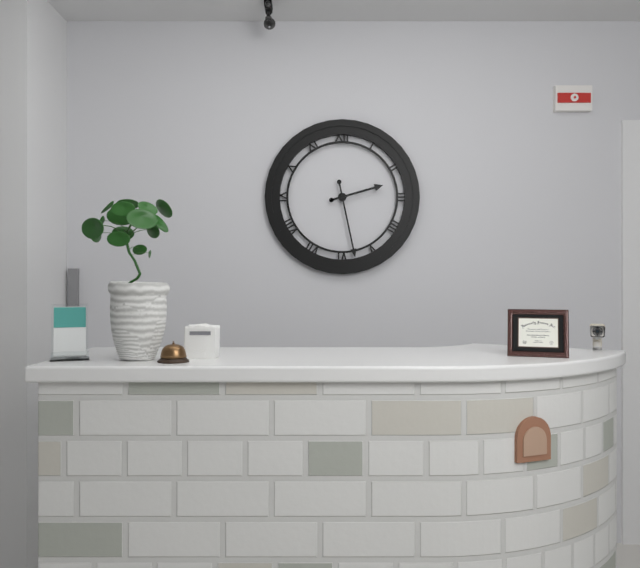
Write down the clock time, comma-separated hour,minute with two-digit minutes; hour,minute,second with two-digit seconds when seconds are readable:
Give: 2,28
